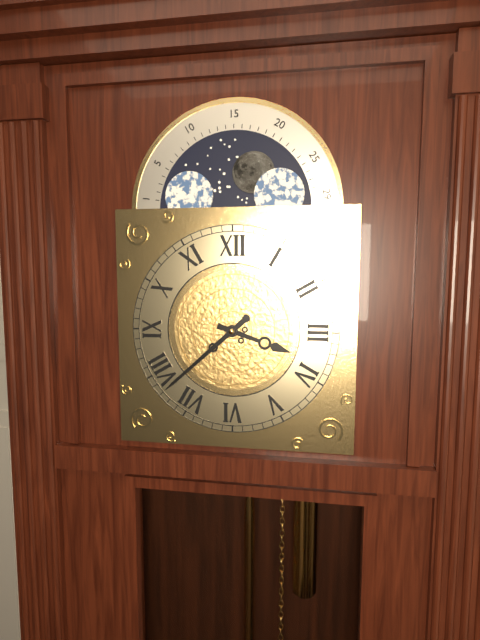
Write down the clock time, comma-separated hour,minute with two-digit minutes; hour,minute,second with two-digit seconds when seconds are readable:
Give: 3,38
